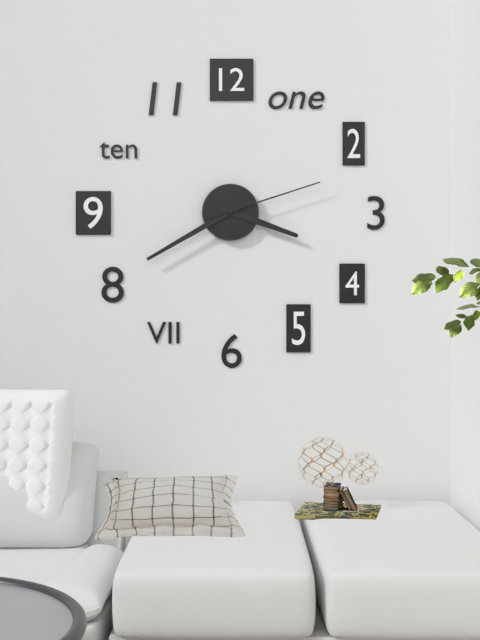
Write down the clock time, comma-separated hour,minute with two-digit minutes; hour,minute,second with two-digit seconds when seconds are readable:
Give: 3,40,12
